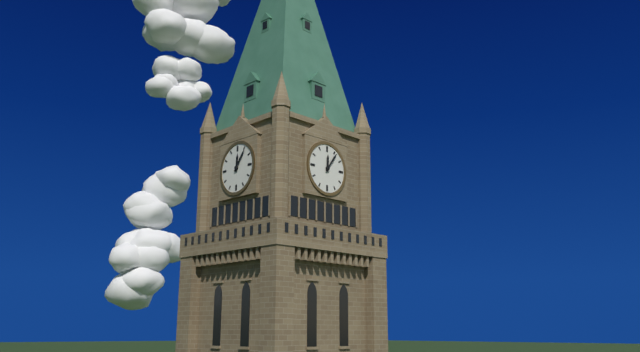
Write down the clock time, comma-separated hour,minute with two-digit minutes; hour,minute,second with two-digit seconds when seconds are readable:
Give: 12,06
